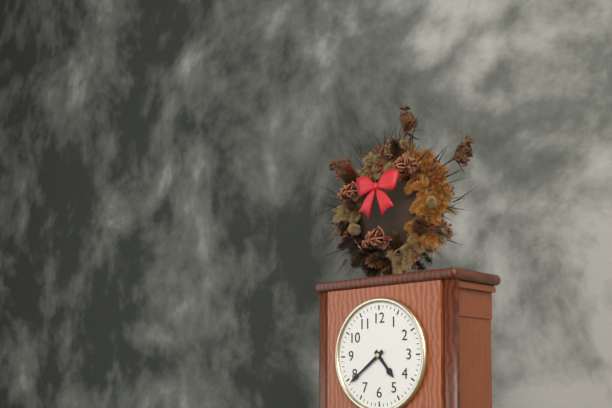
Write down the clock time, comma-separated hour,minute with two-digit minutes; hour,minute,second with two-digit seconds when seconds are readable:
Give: 4,39
